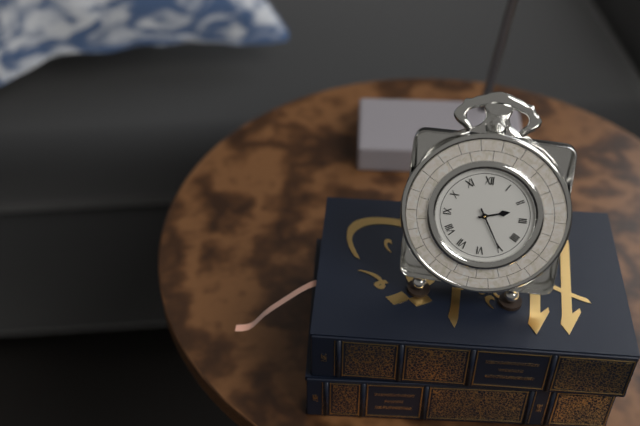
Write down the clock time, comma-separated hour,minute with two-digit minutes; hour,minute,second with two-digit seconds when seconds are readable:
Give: 2,25
